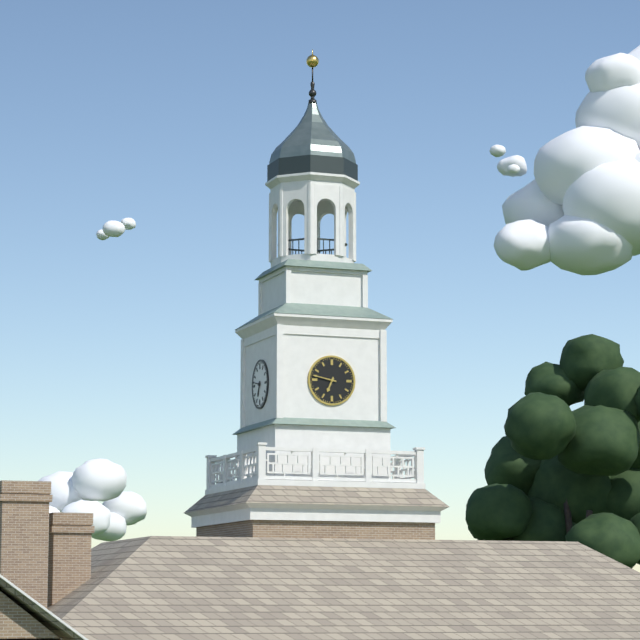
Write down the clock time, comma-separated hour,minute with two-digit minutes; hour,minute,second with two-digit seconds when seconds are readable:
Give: 6,47
